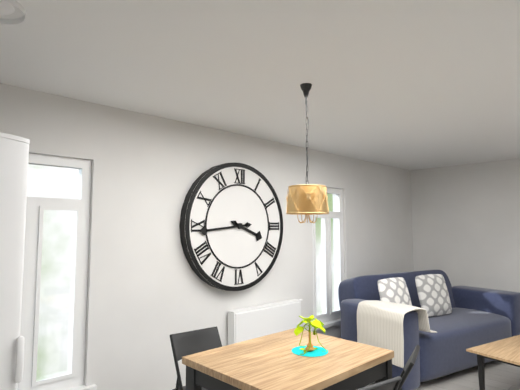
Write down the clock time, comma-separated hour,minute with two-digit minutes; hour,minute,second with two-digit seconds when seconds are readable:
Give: 3,44
